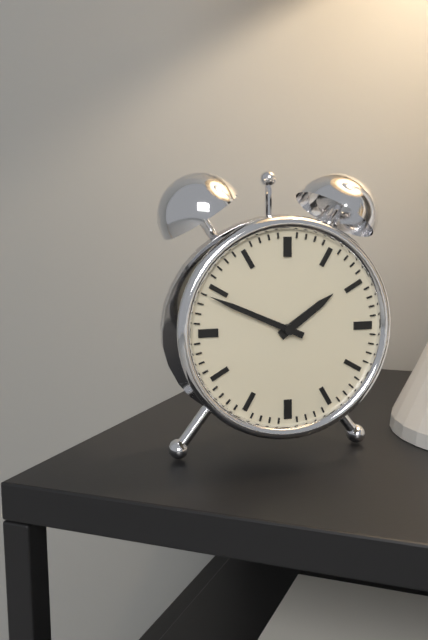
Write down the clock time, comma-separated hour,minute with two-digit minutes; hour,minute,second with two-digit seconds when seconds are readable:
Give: 1,49
